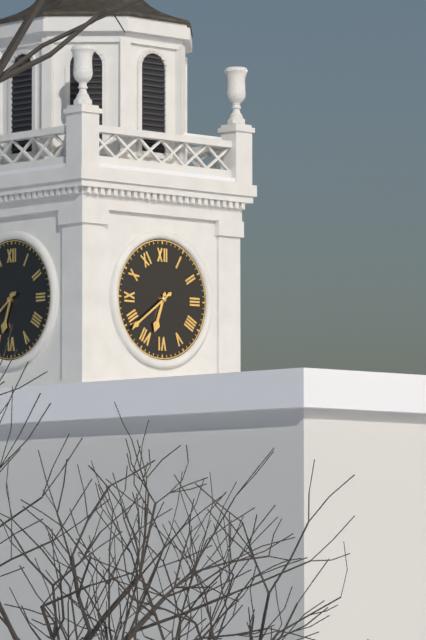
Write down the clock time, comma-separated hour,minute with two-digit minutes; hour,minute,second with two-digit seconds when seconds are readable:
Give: 6,39
